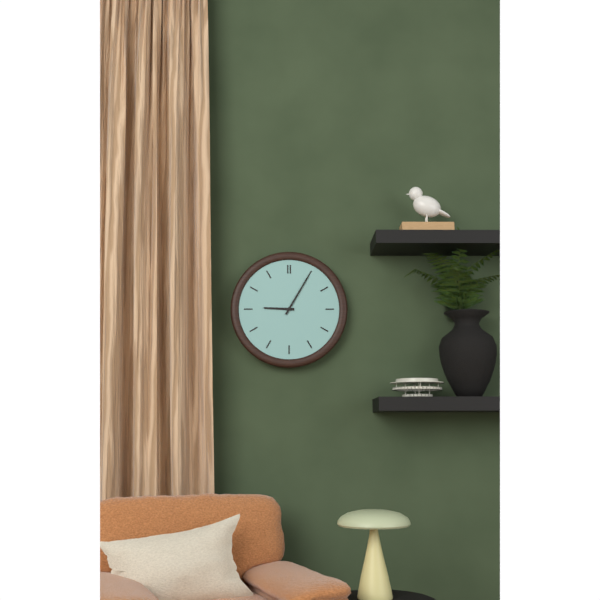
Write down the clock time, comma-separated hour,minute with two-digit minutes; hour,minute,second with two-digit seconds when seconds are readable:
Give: 9,05
